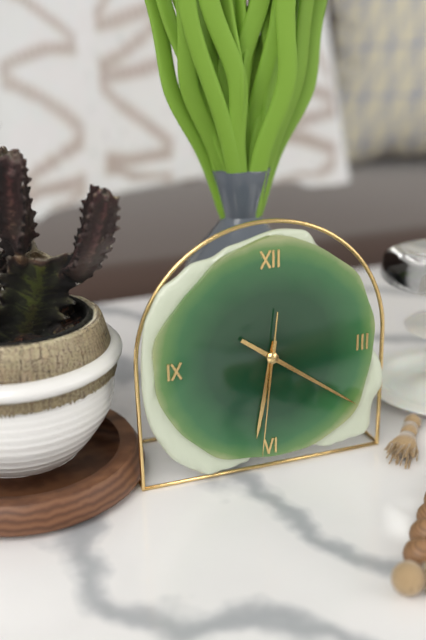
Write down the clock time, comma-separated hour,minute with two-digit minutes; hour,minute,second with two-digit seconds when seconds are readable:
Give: 6,21,31
